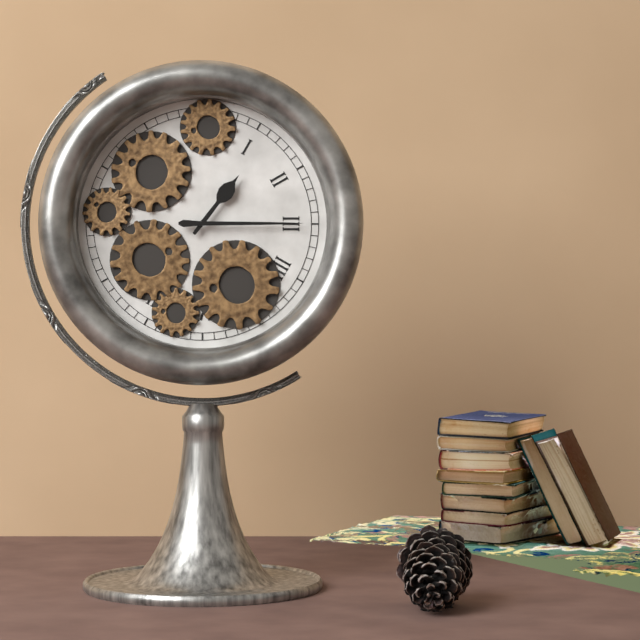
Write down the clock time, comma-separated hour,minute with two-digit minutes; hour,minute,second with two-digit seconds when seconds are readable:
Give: 1,15
